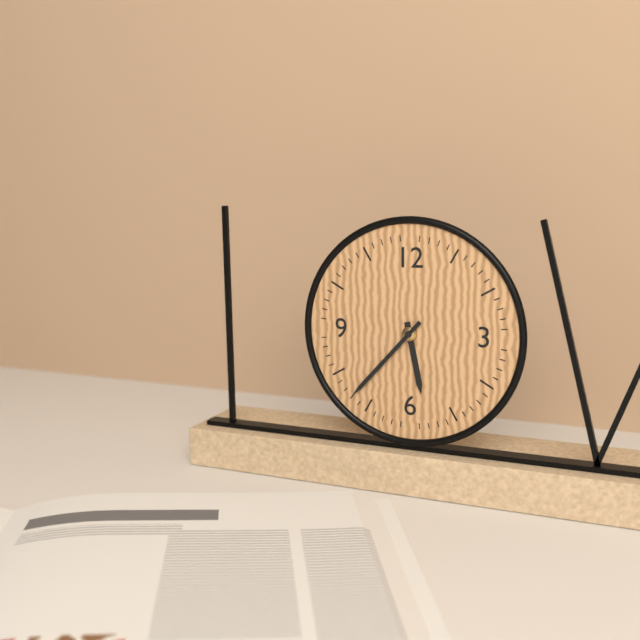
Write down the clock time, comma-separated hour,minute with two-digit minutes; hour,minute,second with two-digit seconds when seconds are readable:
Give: 5,37
